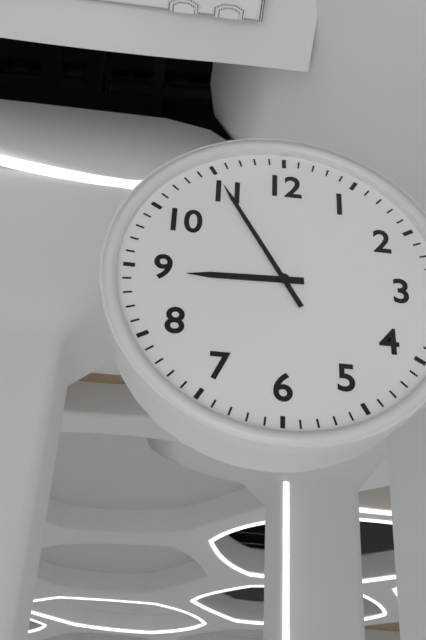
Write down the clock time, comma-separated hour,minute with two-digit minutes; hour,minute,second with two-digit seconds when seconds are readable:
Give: 8,55
